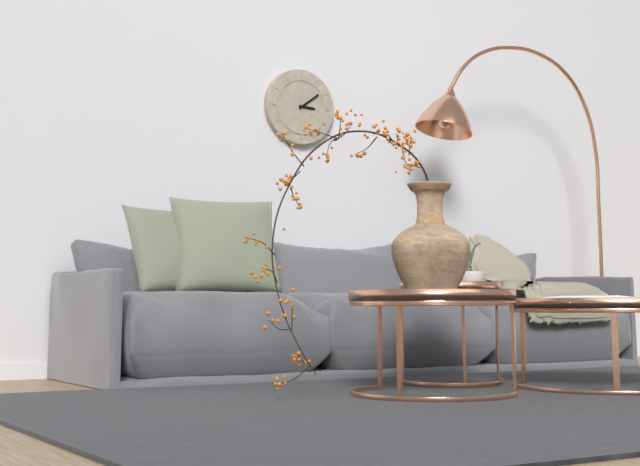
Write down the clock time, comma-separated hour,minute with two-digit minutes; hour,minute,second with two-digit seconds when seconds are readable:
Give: 3,09
